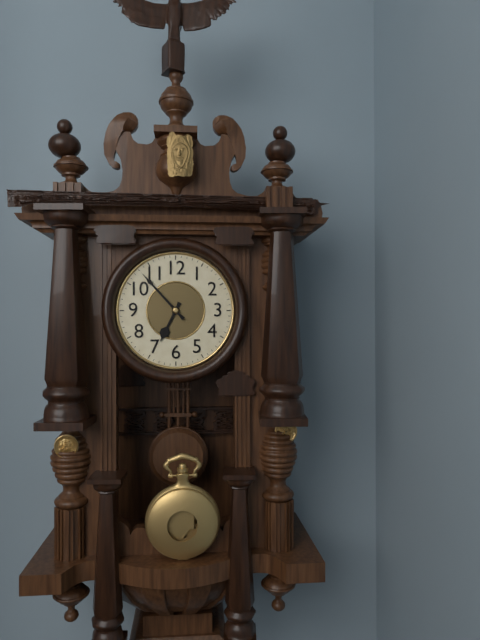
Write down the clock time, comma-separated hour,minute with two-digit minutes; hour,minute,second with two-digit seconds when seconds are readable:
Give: 6,53
